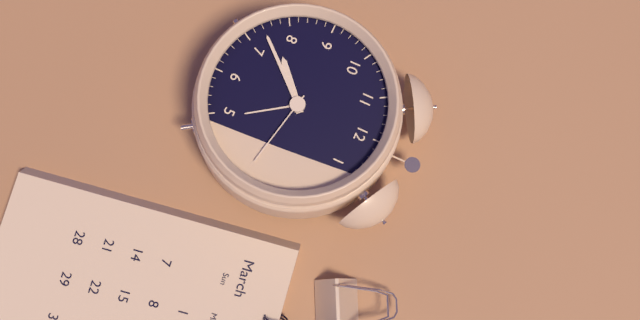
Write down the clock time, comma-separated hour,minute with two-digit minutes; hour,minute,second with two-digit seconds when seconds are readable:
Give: 7,37,17
